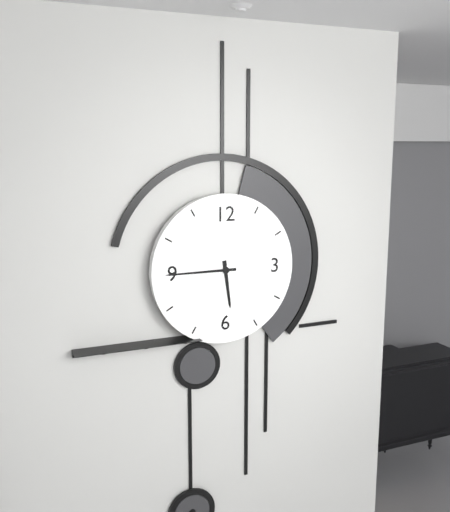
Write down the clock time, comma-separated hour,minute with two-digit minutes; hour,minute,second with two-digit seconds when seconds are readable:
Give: 5,45
